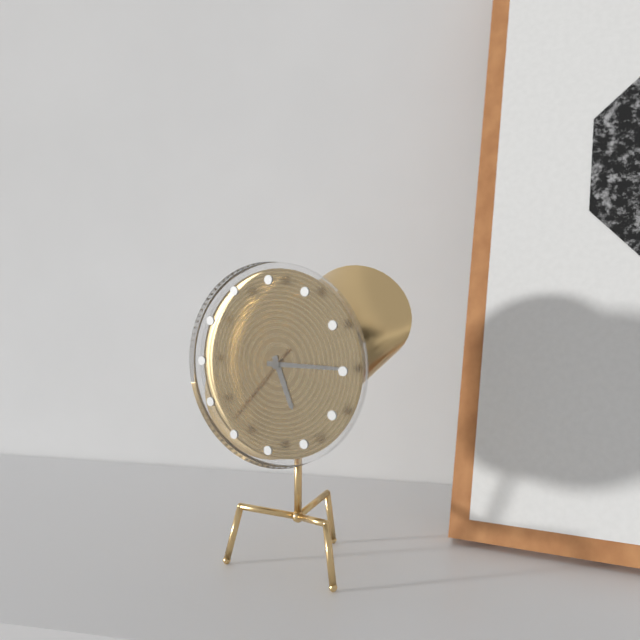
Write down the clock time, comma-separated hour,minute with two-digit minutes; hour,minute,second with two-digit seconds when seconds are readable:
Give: 5,15,37
